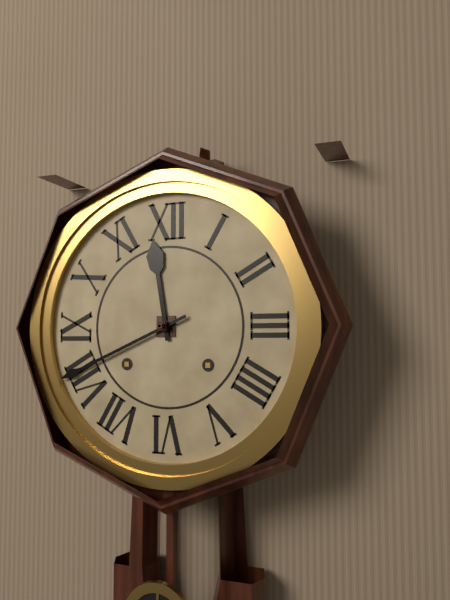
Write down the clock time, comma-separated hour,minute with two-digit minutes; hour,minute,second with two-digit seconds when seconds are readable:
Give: 11,41
